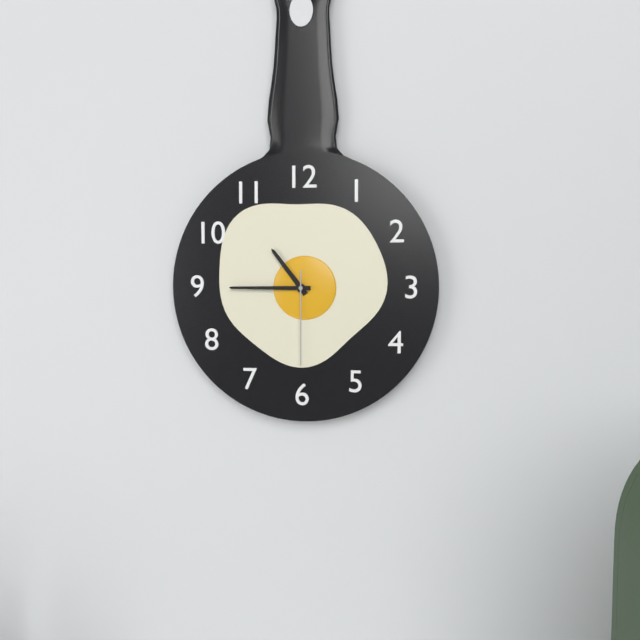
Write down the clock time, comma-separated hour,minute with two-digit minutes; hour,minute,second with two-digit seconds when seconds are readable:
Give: 10,45,30
